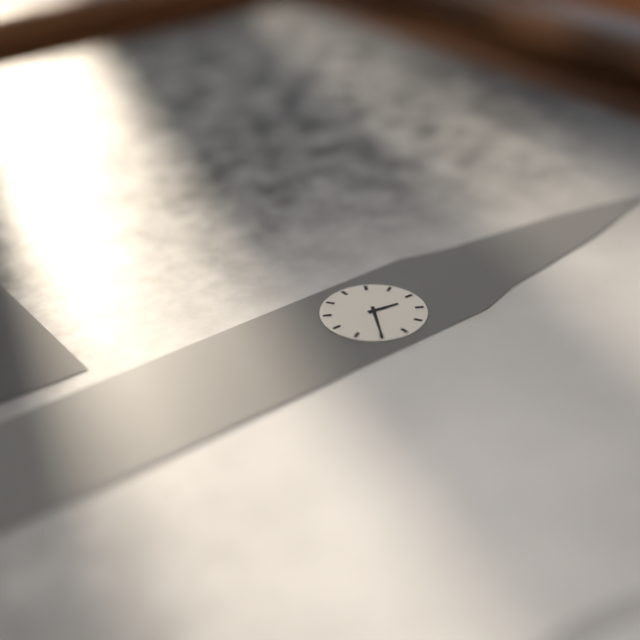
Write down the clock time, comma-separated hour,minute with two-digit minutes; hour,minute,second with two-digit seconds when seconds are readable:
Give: 12,20
